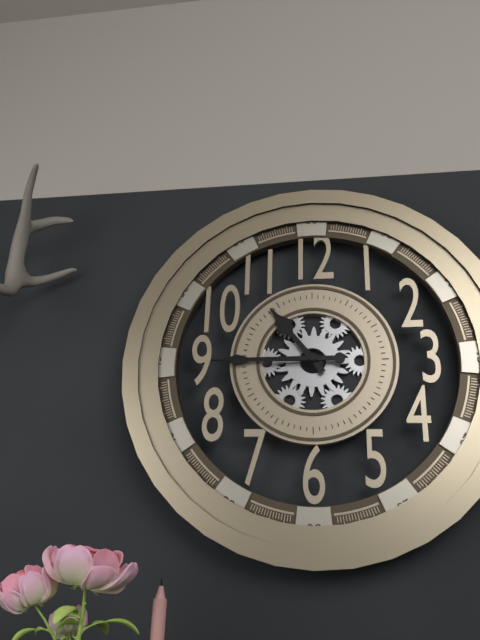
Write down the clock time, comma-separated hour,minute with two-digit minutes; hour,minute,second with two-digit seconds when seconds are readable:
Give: 10,45
